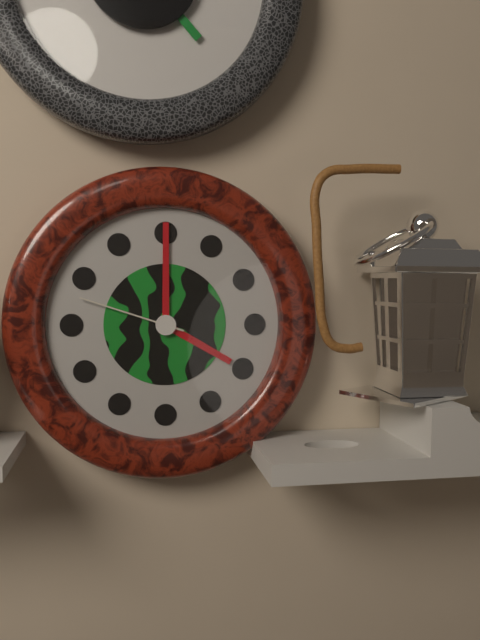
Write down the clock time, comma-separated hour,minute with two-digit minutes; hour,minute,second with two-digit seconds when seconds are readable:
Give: 4,00,48
